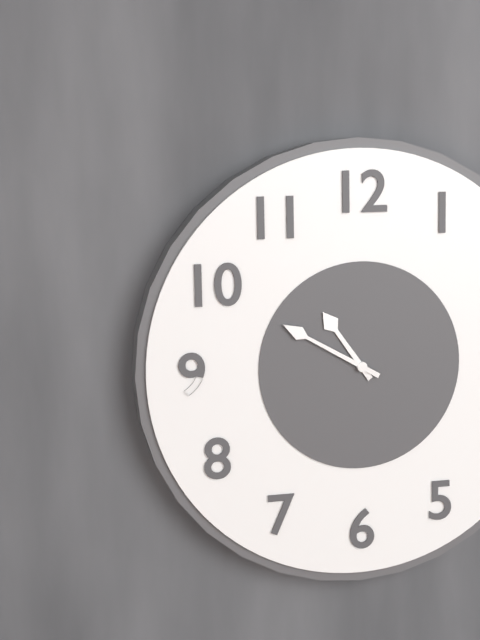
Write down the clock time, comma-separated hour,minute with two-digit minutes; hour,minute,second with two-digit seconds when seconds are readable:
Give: 10,50
